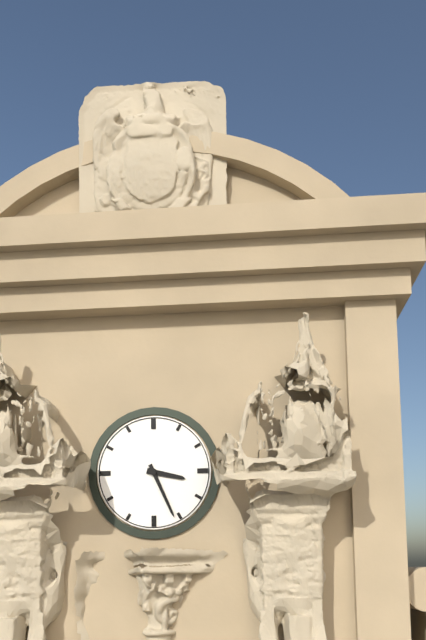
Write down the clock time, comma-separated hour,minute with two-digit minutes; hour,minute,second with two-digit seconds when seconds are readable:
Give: 3,26
